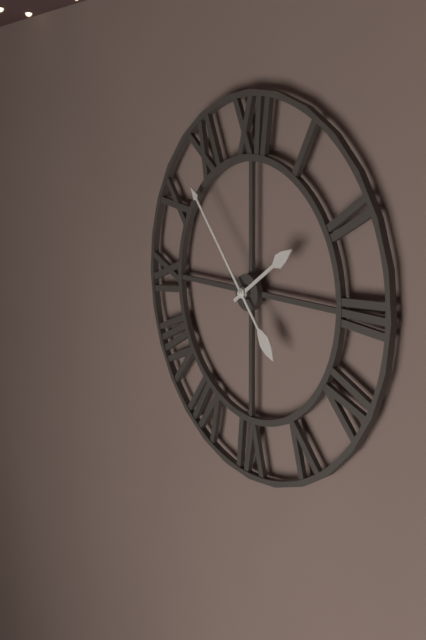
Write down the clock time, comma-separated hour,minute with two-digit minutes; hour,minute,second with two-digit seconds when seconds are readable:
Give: 1,53
